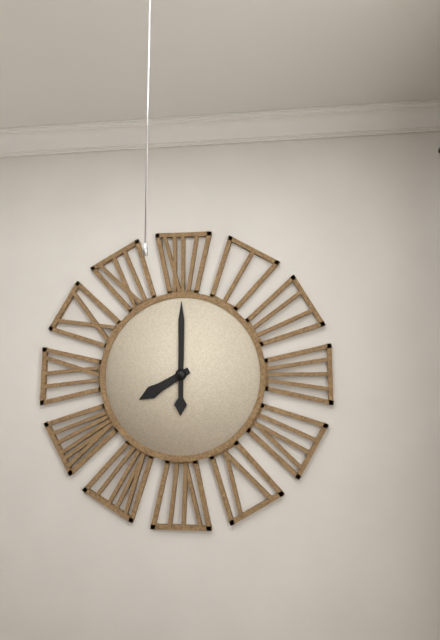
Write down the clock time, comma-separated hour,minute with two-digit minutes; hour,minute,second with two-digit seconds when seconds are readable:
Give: 8,00
